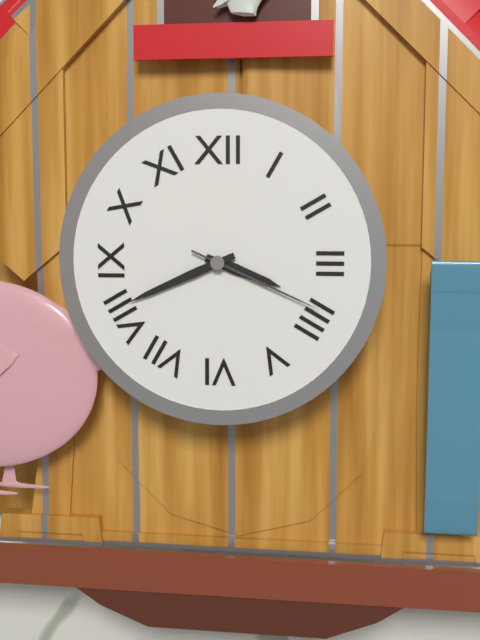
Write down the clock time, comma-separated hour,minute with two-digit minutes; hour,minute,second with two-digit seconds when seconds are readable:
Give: 3,41,19
